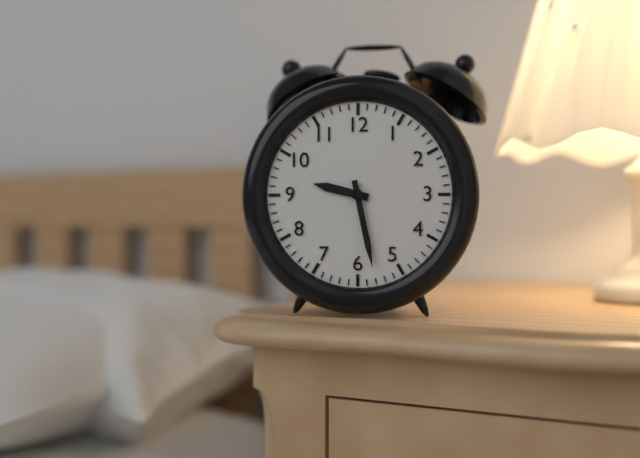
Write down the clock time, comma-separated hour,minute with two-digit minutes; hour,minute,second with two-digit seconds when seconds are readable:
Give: 9,28
